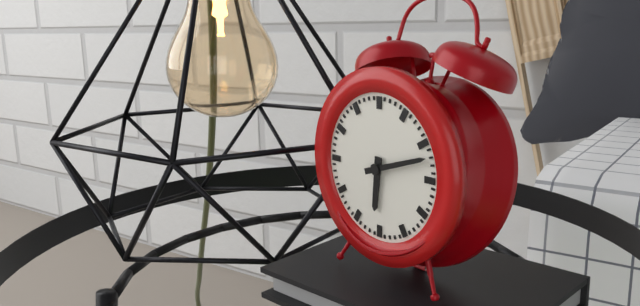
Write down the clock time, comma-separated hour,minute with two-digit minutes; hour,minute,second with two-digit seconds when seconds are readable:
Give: 6,12
